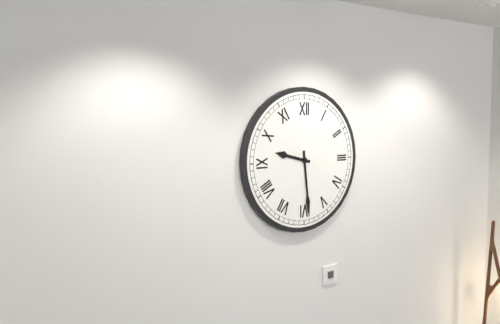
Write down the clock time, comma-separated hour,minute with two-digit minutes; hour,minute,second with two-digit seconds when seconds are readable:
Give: 9,29
